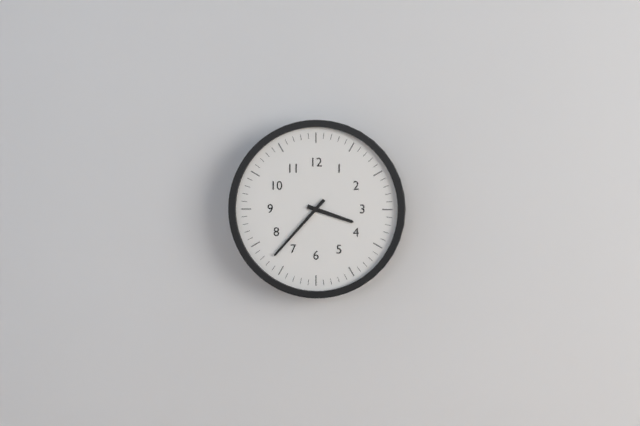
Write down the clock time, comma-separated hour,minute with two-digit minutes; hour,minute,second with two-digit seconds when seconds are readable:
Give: 3,37
